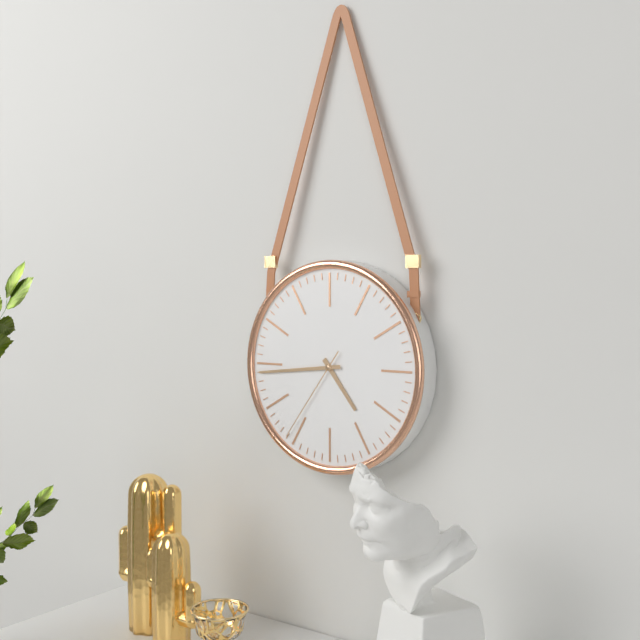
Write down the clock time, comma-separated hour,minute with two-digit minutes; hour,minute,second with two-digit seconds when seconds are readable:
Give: 4,44,36
